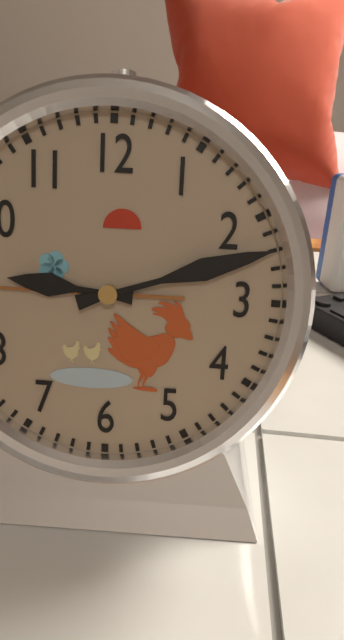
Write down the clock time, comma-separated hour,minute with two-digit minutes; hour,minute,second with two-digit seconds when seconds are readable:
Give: 9,12
